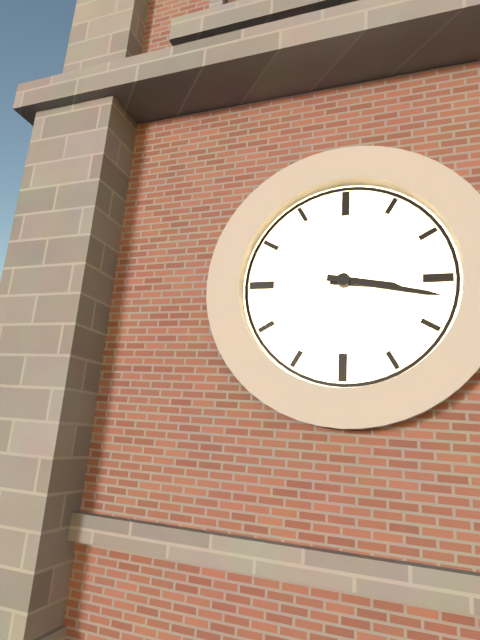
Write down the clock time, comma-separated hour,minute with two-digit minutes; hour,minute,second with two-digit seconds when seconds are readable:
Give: 3,17
